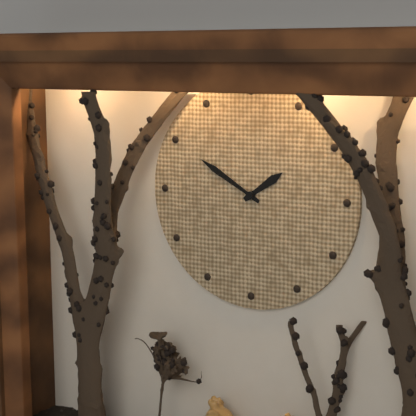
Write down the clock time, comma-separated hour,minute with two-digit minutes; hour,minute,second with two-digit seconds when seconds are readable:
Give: 1,50
